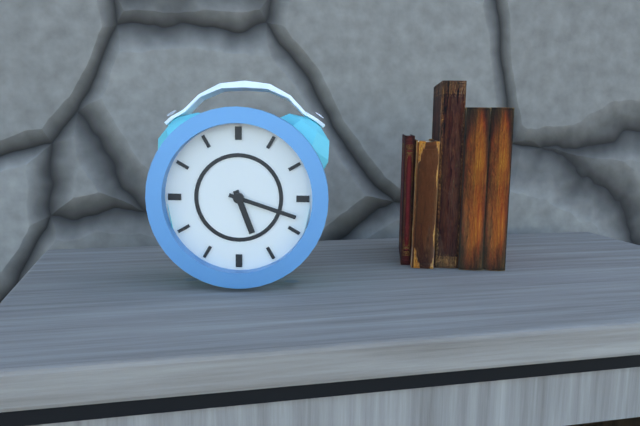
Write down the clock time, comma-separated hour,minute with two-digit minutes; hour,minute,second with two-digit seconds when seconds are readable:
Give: 5,18
